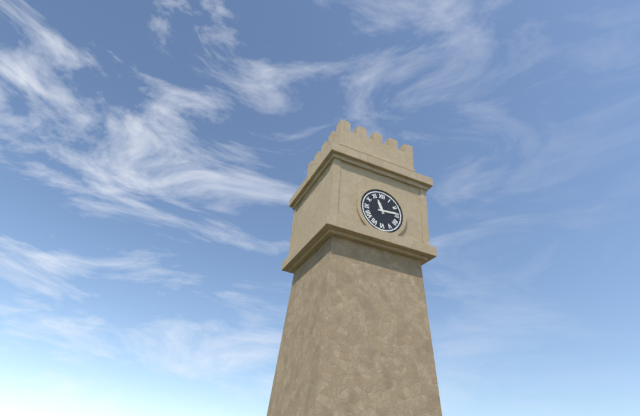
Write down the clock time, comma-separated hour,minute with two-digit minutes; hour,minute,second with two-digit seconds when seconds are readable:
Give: 11,14
